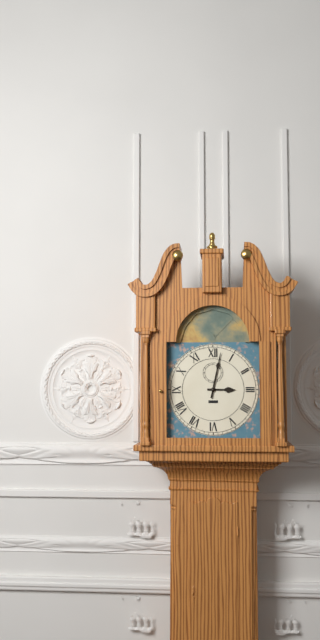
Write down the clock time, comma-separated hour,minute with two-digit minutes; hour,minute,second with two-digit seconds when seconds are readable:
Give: 3,02
